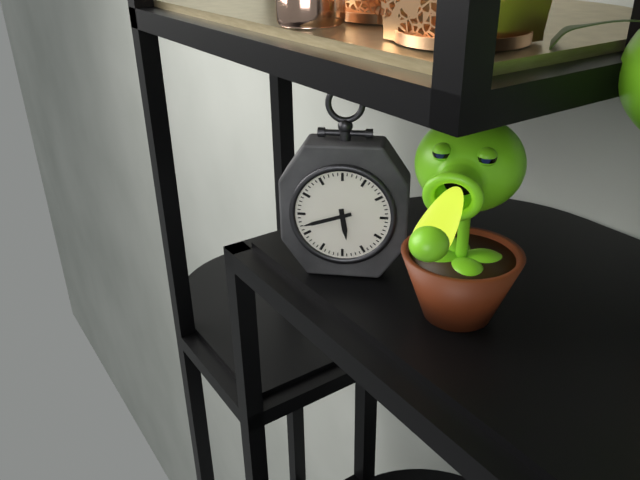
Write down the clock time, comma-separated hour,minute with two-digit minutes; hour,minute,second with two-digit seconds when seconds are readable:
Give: 5,42
